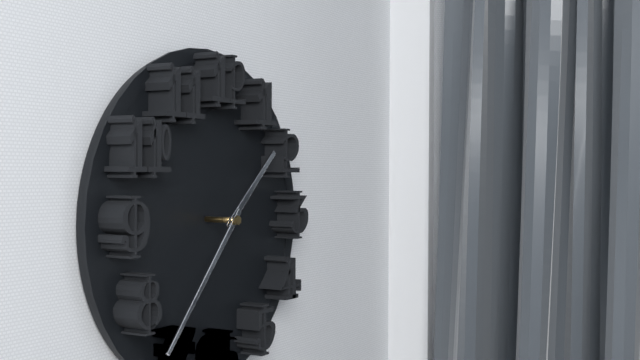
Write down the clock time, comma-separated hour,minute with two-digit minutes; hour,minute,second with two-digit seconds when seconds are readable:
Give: 1,37
